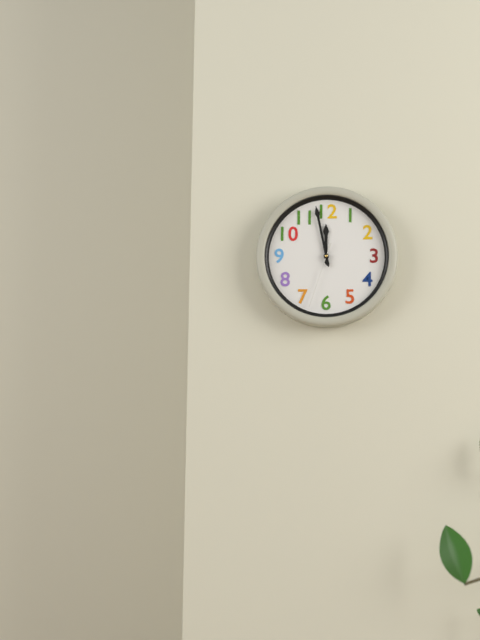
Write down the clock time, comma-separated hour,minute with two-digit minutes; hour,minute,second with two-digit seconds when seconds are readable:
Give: 11,58,33
